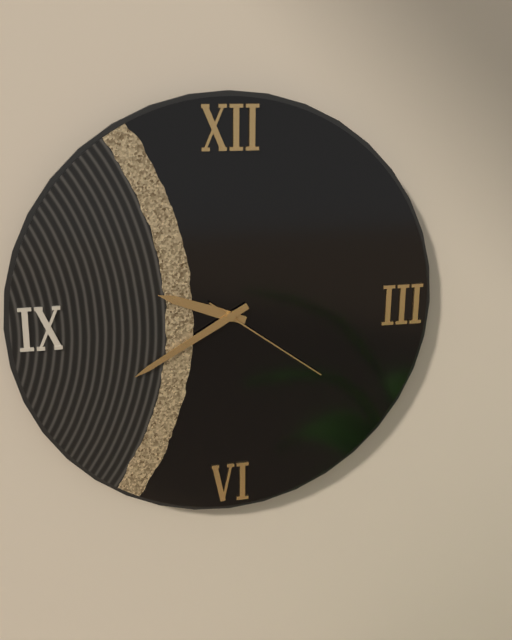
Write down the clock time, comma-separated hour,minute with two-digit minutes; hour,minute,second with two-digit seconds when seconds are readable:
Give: 9,40,21
